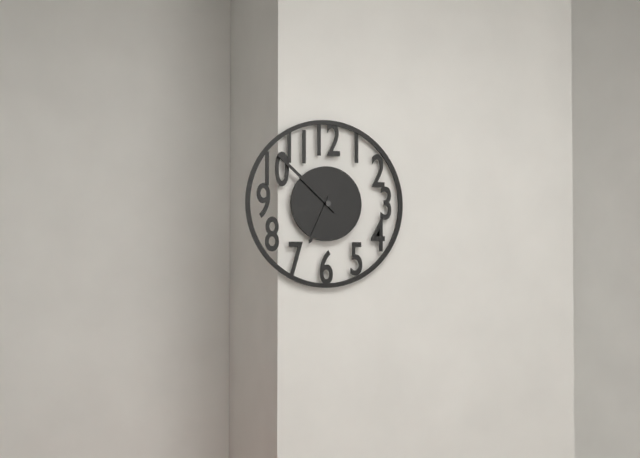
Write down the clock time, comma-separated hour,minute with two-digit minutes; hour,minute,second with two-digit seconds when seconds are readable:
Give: 6,52
